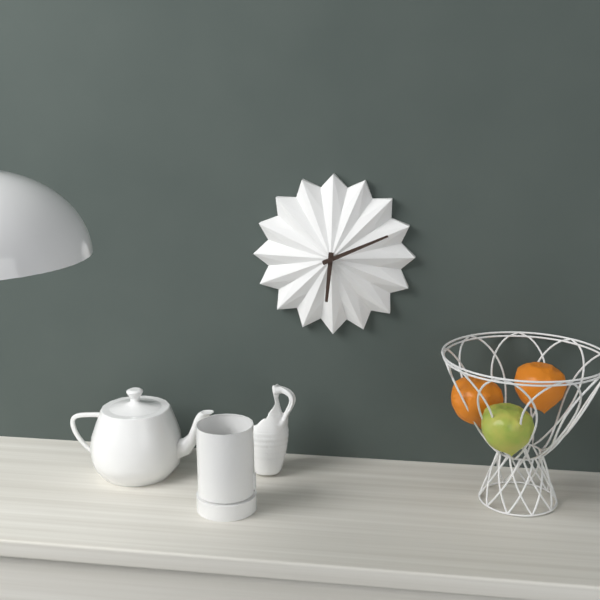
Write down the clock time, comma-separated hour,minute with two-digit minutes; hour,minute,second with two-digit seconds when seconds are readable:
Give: 6,11
